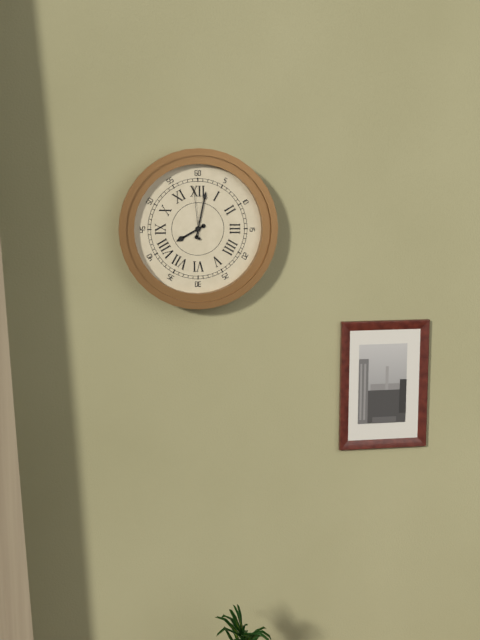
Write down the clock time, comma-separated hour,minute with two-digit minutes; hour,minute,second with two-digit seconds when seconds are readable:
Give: 8,02,59
